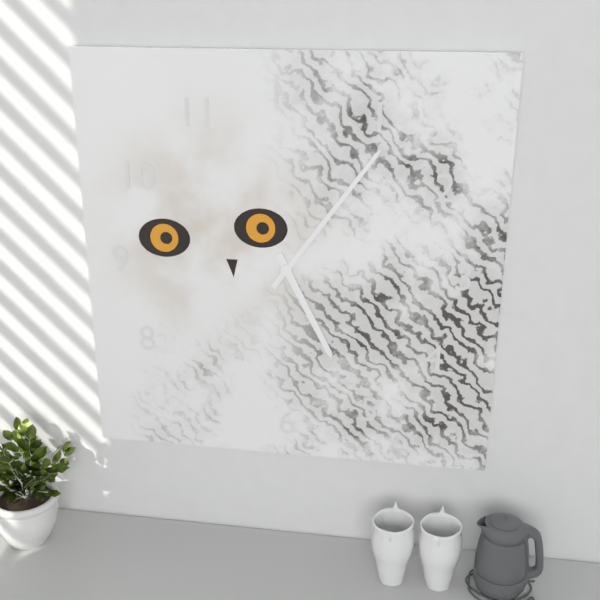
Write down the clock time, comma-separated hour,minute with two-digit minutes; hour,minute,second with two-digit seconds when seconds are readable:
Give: 5,06
